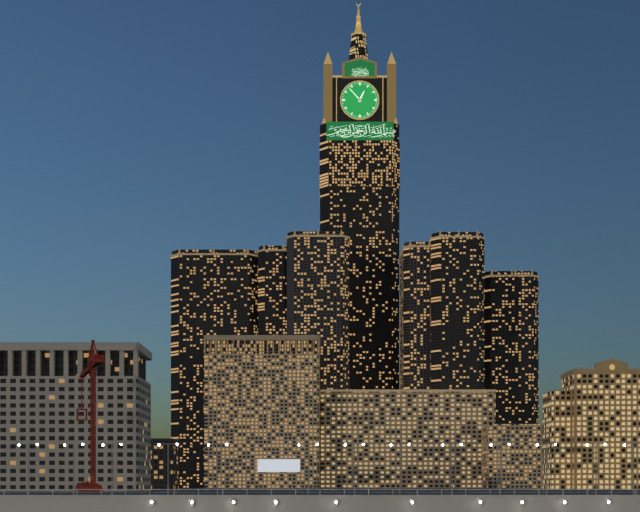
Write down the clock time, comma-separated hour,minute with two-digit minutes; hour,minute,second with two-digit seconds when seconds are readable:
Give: 12,53
